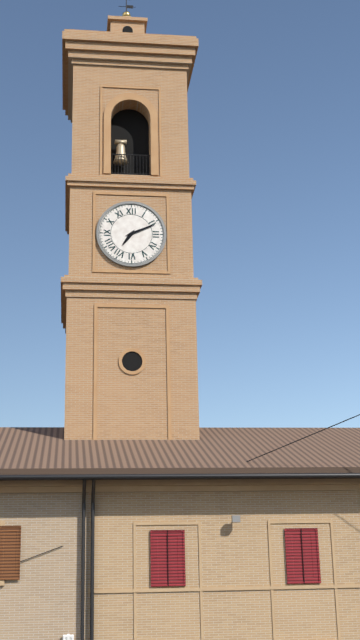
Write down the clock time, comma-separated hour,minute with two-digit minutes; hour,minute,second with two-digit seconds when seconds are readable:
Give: 7,11
